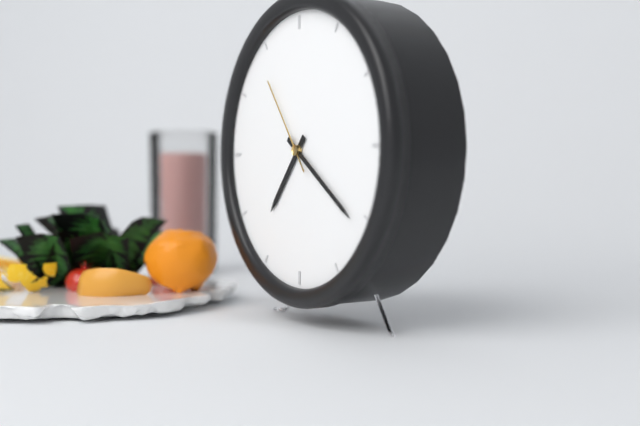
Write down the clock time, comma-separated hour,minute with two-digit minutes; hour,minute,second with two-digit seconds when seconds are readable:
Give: 7,21,54
